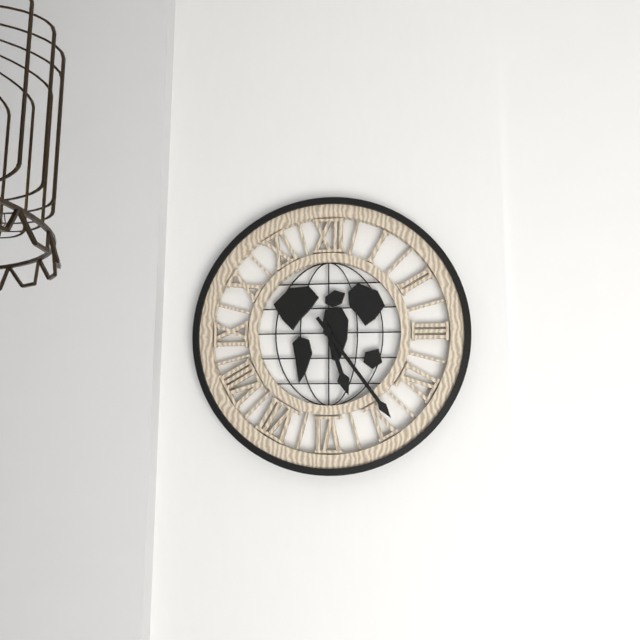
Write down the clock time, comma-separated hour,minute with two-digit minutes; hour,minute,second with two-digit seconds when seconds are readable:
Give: 5,24
